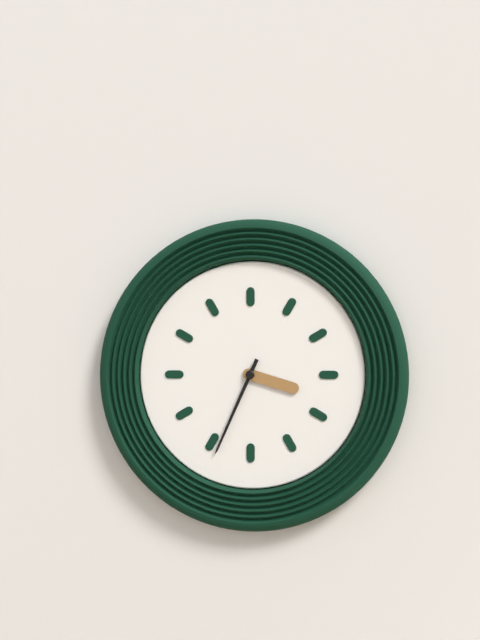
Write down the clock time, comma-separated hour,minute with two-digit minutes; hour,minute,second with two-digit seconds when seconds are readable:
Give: 3,34
